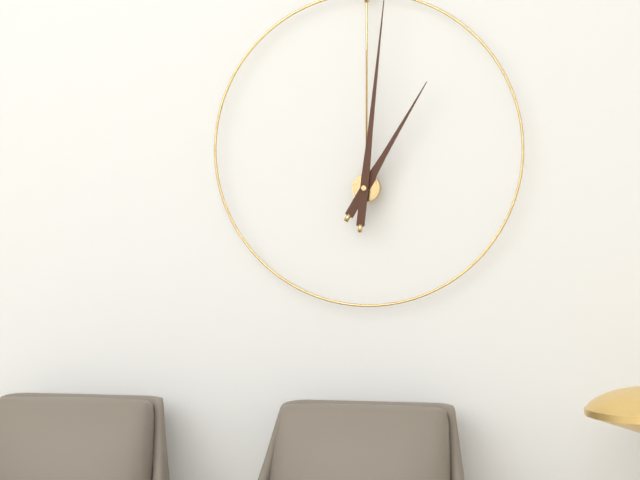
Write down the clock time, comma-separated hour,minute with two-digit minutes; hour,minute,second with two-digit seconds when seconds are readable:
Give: 1,01
